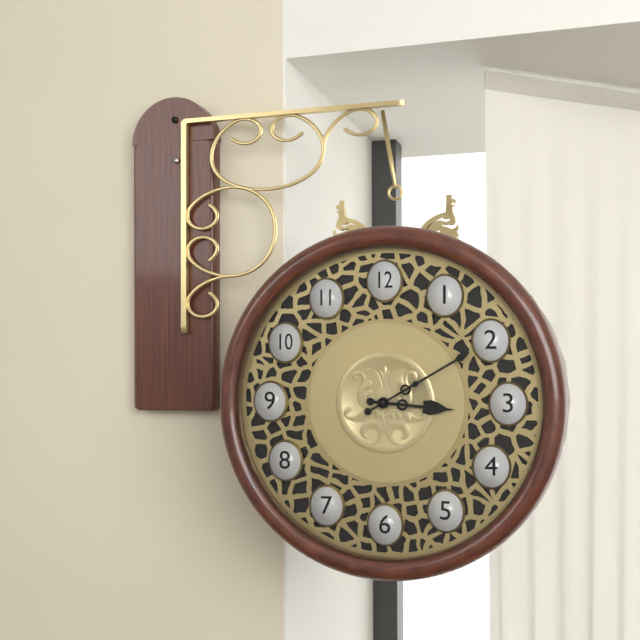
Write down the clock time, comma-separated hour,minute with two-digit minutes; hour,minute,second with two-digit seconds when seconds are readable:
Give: 3,10
